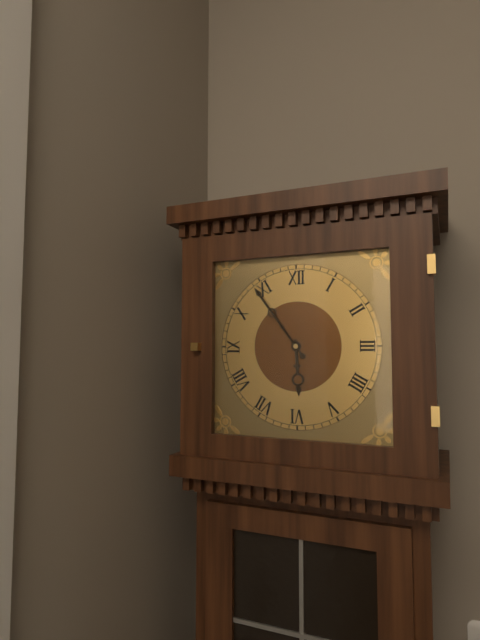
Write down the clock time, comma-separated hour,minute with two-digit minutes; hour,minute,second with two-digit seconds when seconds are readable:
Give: 5,54
